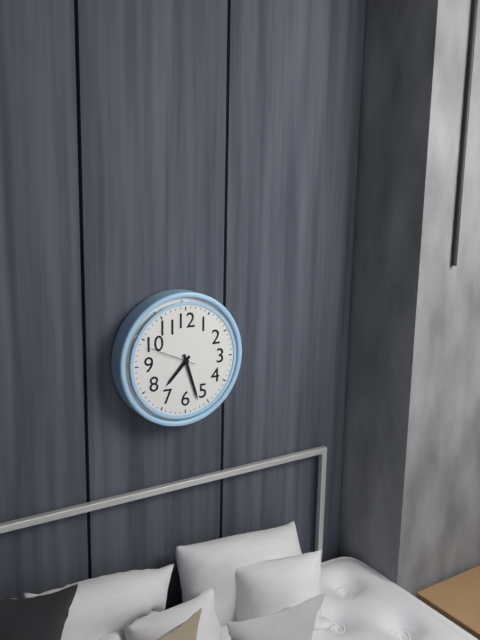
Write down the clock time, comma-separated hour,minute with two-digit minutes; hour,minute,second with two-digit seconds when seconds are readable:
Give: 7,27,49
